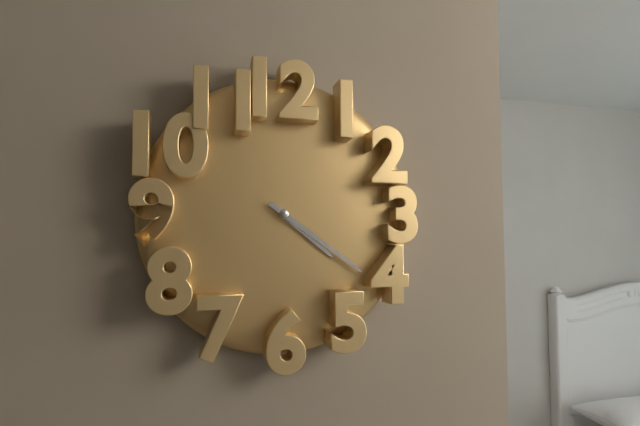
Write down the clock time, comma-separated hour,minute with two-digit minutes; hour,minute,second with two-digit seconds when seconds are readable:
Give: 4,21
